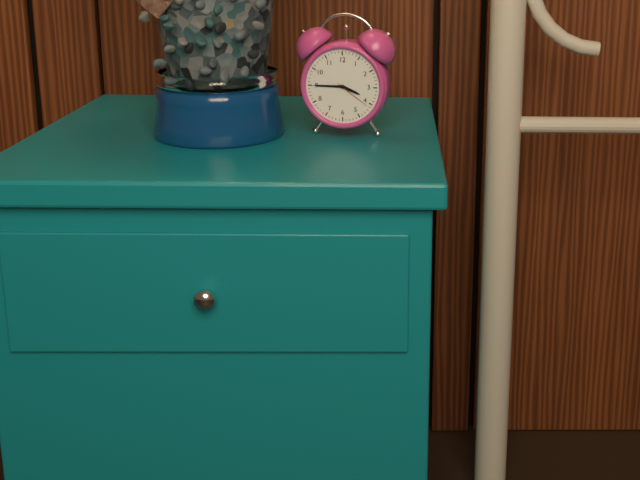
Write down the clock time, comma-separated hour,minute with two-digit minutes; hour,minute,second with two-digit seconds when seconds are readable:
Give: 3,45
